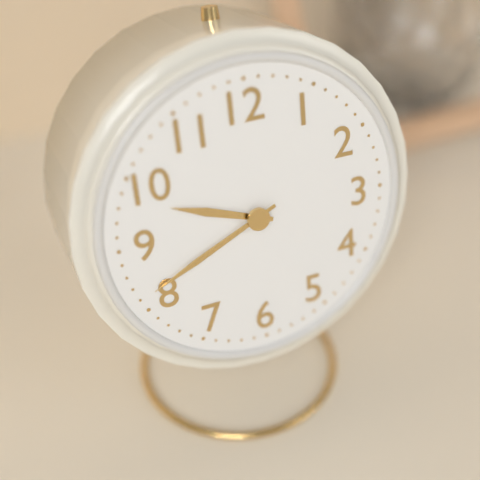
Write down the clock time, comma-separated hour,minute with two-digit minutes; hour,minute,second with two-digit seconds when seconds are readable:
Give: 9,41
